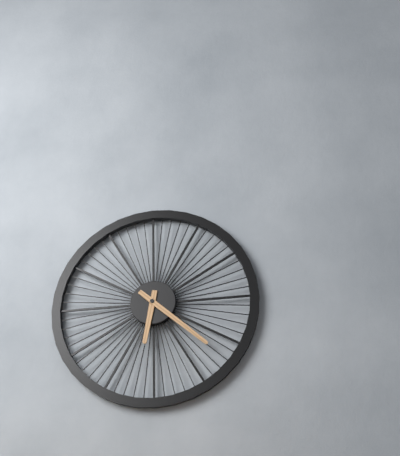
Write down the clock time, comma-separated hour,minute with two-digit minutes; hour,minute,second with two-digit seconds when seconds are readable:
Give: 6,22
